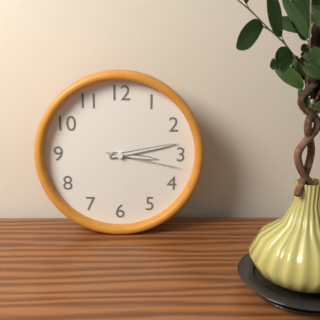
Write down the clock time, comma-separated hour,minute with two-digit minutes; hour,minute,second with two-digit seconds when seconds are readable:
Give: 3,13,17
